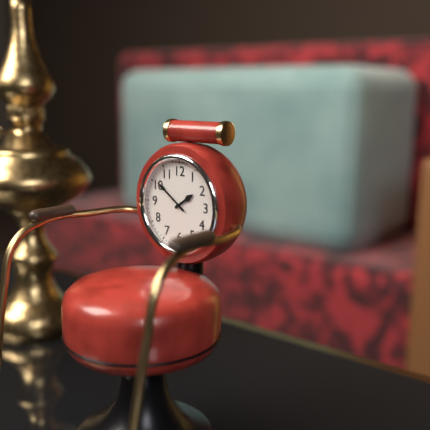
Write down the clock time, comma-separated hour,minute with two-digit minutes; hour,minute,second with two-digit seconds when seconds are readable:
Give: 1,51
